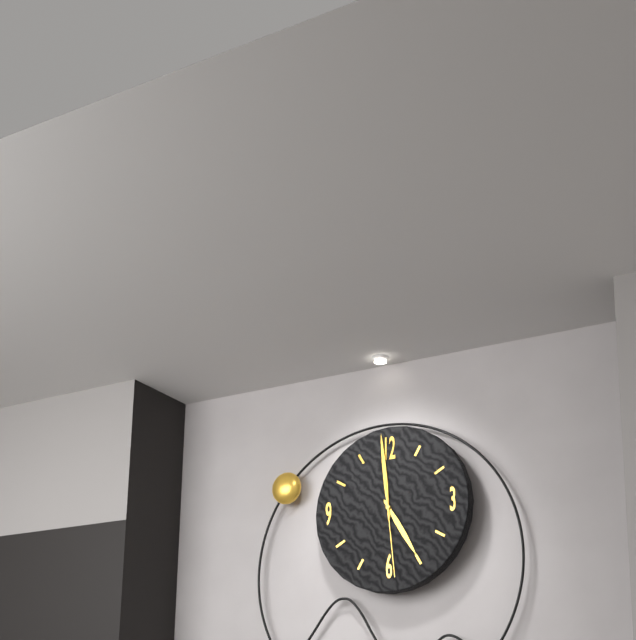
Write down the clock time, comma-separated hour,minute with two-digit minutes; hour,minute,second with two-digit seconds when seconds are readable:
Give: 4,59,29
